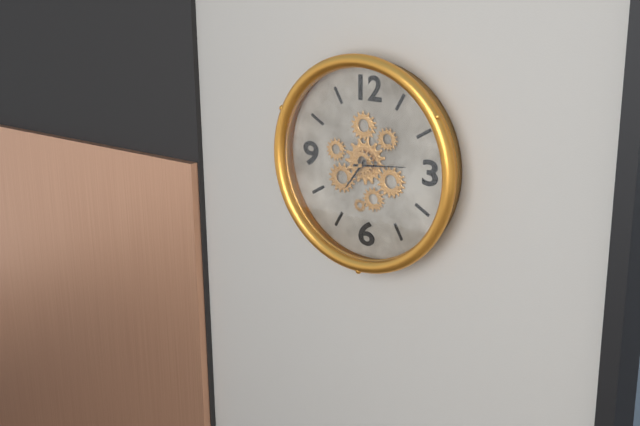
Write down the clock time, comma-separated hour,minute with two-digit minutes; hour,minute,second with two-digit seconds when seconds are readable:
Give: 7,14
